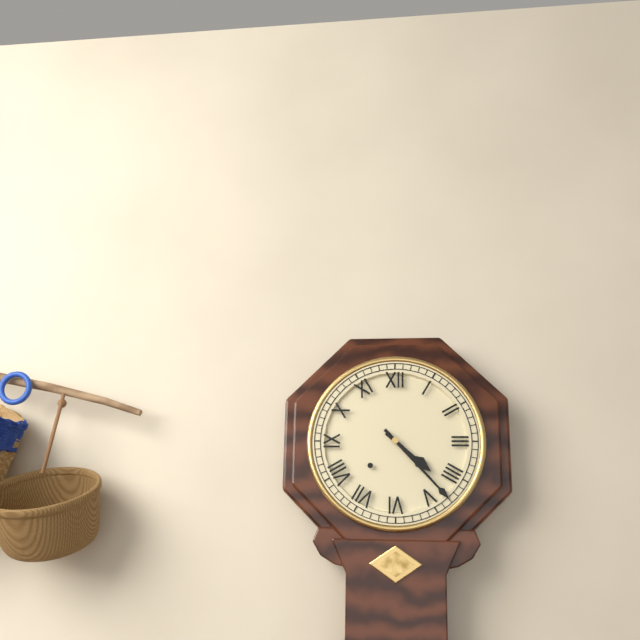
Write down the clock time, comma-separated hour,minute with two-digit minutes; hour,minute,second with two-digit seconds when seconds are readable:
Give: 4,23
